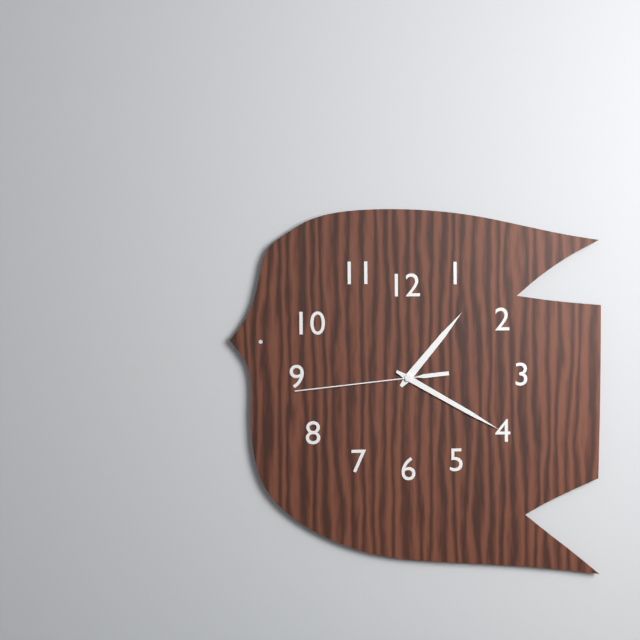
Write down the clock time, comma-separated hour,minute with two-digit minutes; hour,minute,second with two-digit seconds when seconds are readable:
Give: 1,20,44
